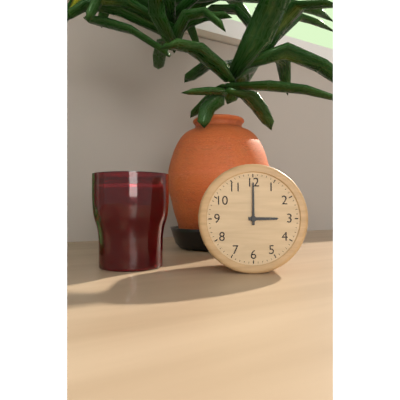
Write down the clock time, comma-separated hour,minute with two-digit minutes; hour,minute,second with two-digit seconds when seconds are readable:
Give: 3,00
